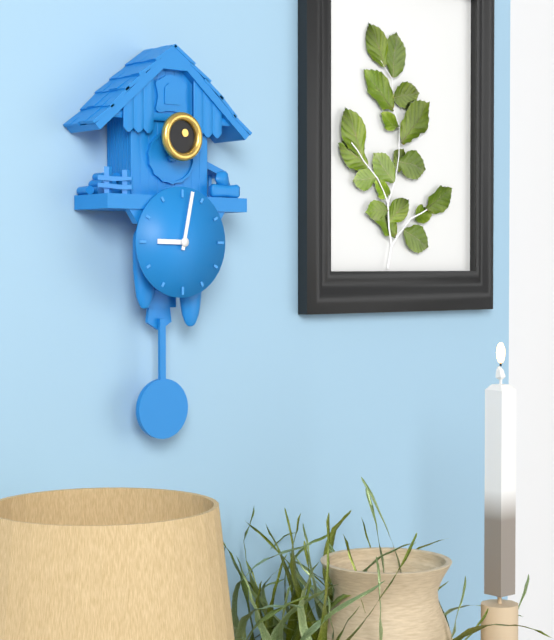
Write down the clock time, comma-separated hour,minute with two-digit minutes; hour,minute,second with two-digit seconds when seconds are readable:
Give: 9,02
